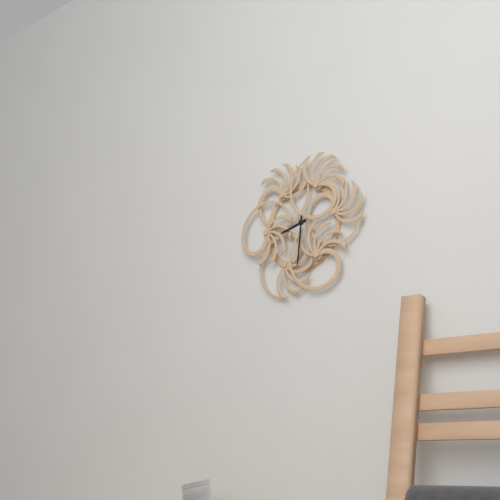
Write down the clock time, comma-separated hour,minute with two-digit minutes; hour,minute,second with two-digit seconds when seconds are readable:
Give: 8,31
